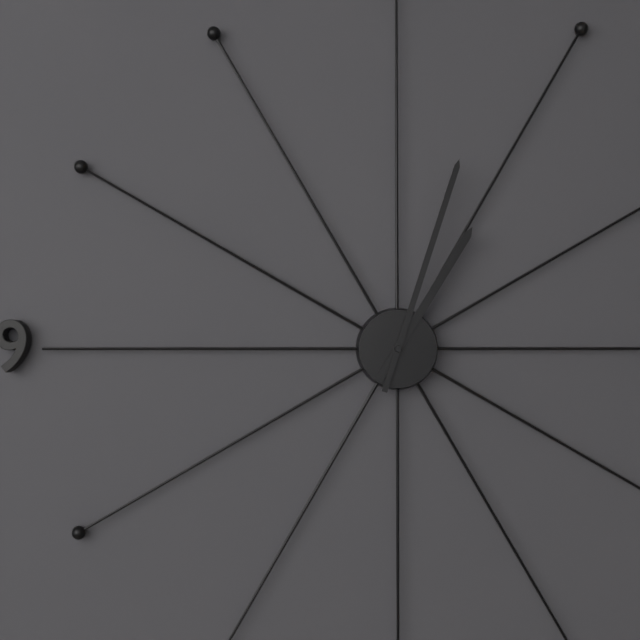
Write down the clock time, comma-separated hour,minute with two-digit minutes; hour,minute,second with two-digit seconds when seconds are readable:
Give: 1,03
